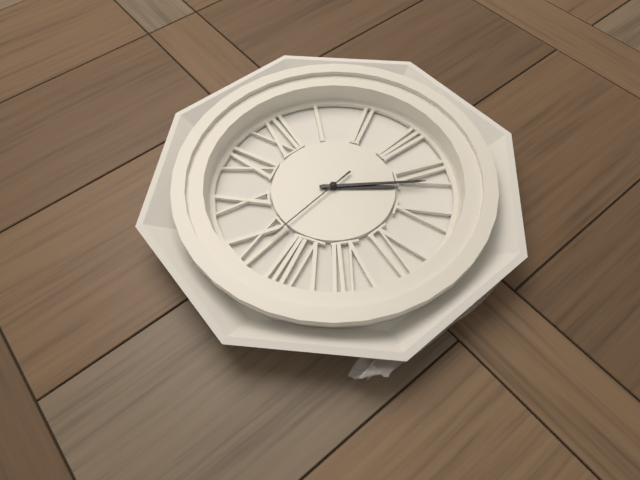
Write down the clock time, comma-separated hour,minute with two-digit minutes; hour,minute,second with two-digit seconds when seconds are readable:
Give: 4,21,44
